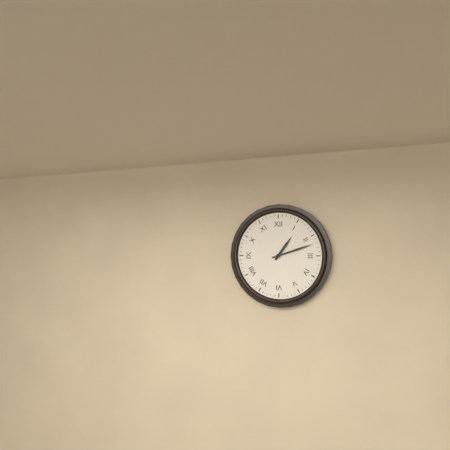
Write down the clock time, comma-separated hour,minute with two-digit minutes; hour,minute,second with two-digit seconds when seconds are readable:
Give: 1,12
